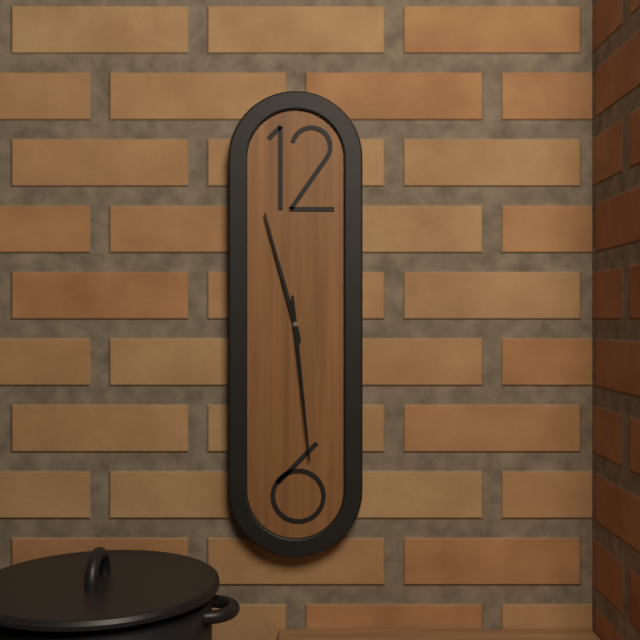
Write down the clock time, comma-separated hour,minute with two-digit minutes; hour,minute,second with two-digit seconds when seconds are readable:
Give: 11,29
